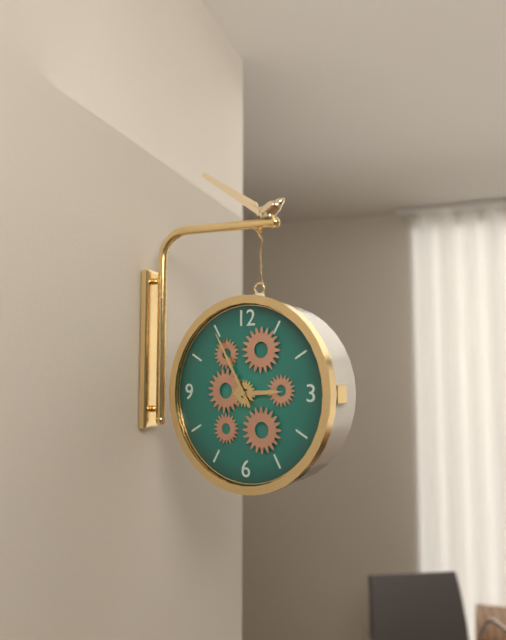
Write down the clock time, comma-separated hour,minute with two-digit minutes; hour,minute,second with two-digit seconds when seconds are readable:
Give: 2,55
